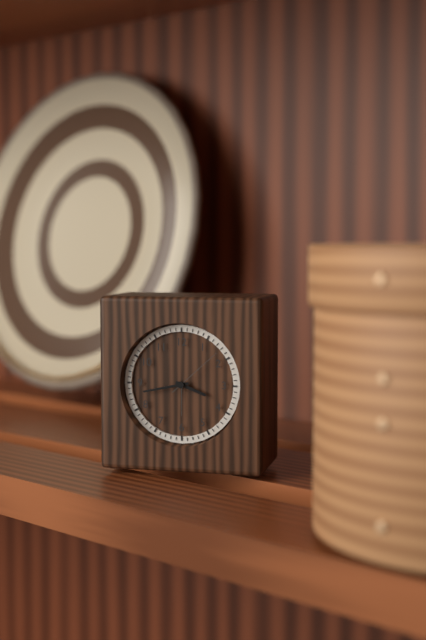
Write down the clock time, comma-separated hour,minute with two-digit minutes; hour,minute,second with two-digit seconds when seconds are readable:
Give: 3,43,08
